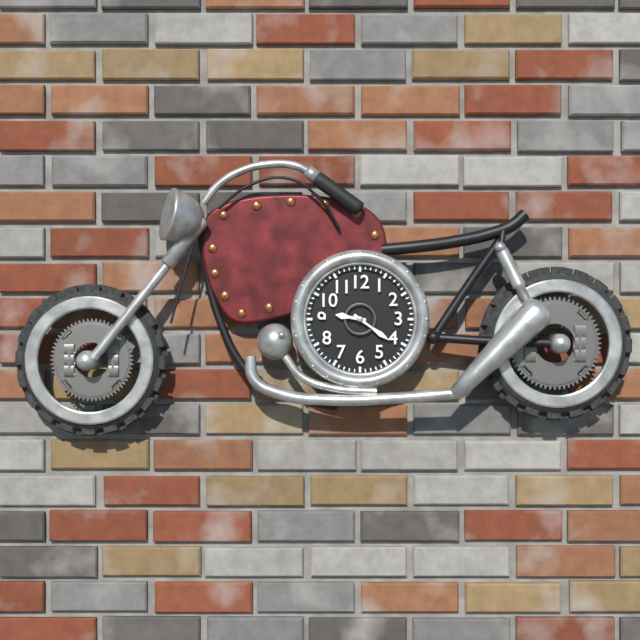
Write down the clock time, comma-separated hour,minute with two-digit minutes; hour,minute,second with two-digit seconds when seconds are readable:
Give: 9,21
